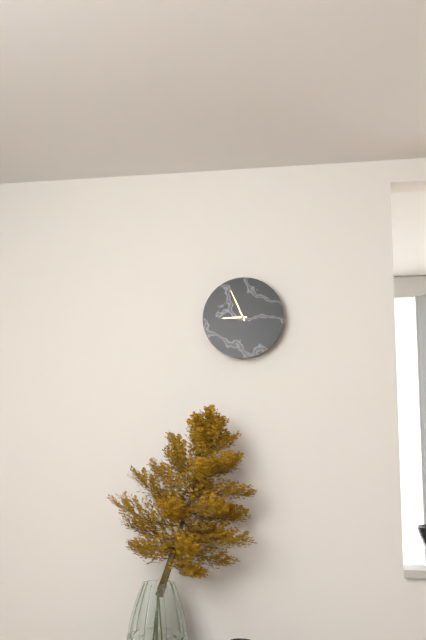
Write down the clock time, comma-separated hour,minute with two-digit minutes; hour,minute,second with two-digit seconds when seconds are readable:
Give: 8,56
